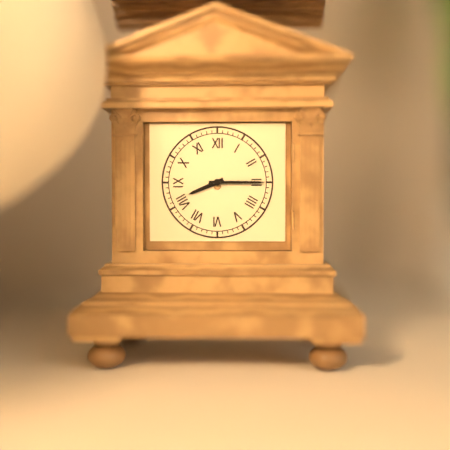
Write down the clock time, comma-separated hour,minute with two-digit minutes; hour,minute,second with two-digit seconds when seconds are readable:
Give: 8,15
